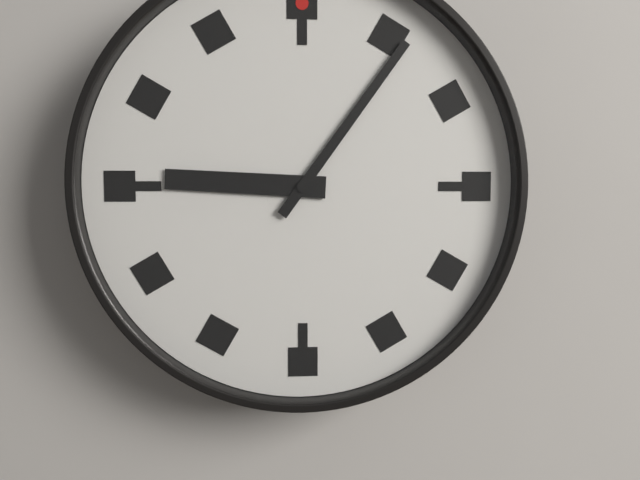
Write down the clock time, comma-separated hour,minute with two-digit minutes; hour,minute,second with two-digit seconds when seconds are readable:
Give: 9,06
